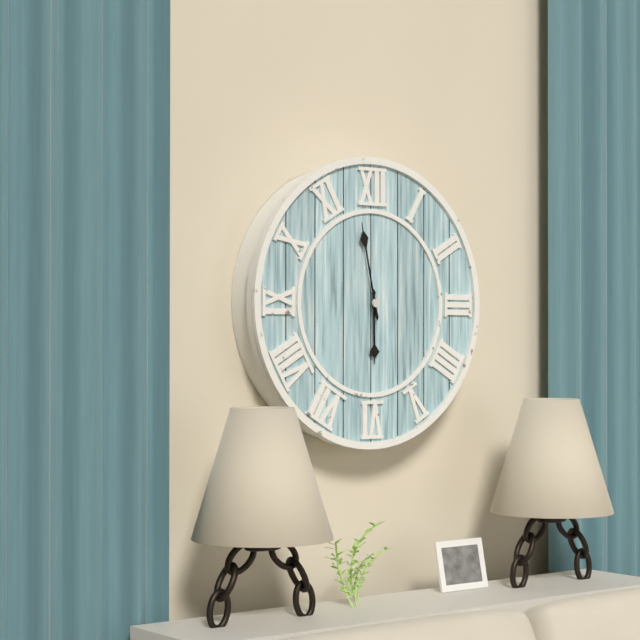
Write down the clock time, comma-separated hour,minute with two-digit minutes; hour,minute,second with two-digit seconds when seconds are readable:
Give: 5,58
